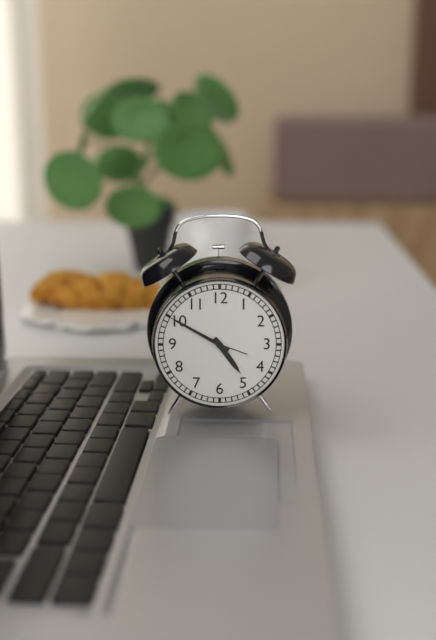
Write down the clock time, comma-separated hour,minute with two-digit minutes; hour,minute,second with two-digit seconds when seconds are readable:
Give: 4,50
